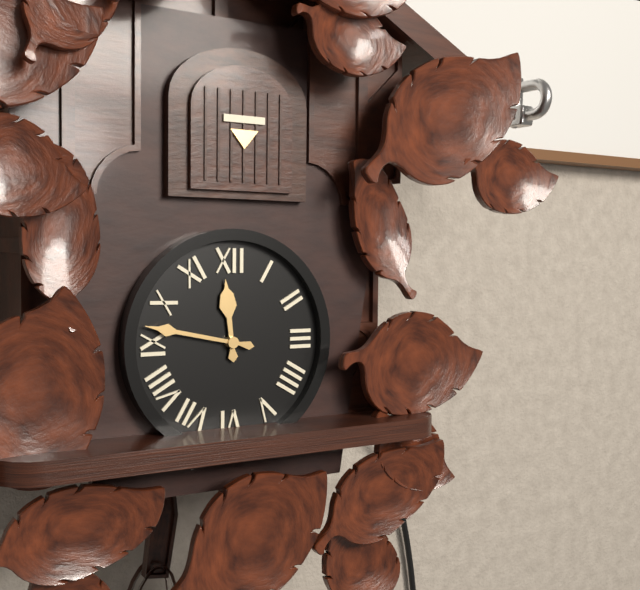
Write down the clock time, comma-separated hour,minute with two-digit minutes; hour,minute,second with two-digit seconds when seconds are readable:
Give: 11,47
